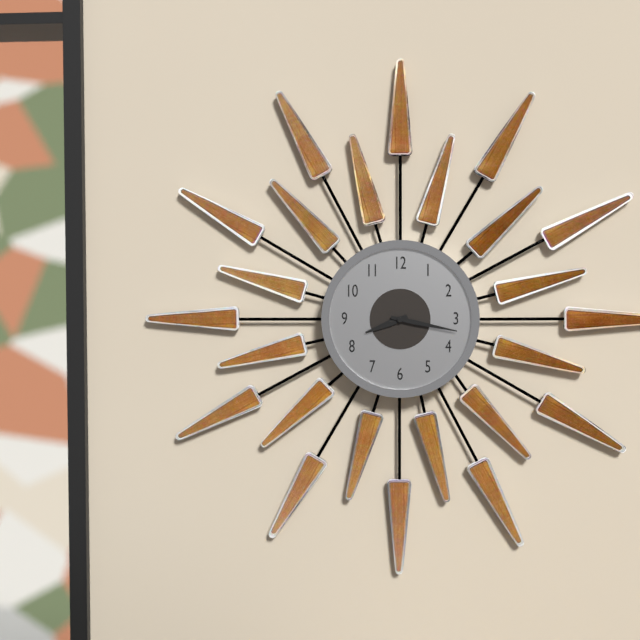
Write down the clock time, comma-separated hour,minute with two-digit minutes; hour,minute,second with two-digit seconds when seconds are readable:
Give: 8,17
